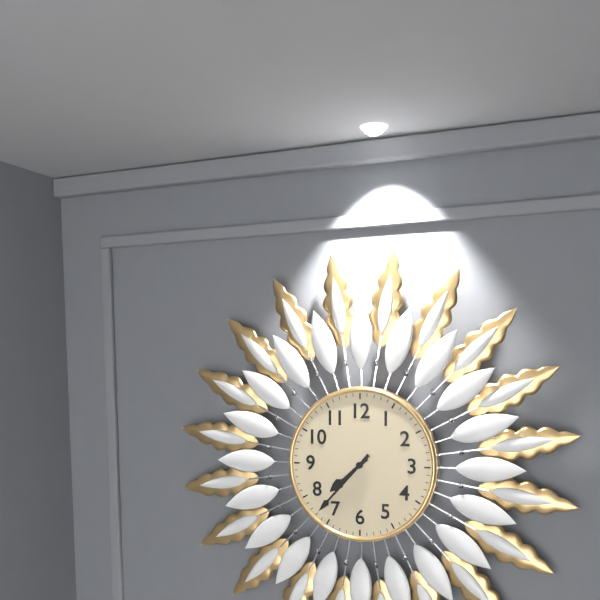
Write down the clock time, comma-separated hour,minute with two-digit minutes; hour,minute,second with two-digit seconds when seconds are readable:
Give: 7,37
